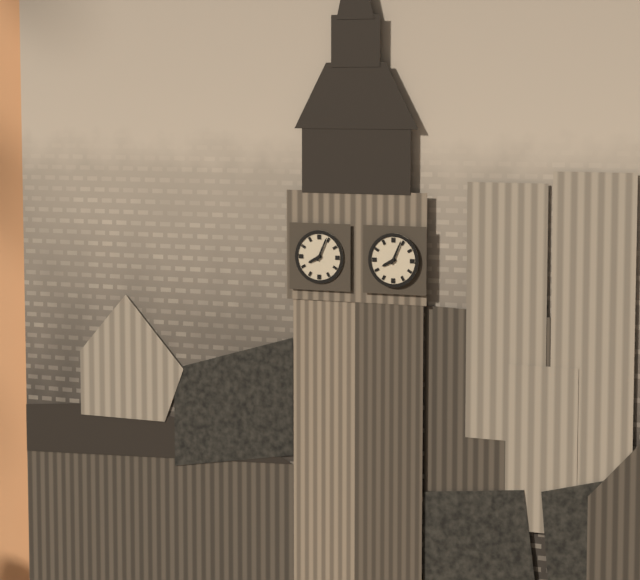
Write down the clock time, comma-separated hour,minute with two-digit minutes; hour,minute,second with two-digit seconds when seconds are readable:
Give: 8,04
